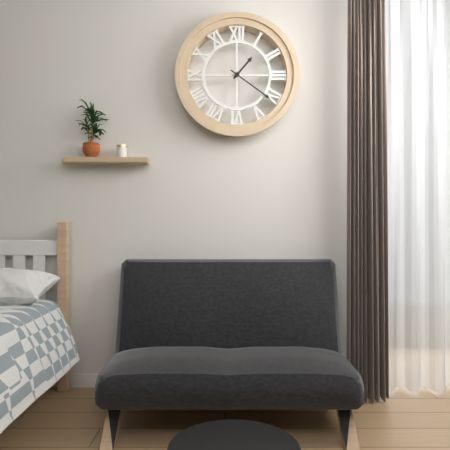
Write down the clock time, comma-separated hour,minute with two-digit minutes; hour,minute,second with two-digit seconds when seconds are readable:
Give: 1,21
